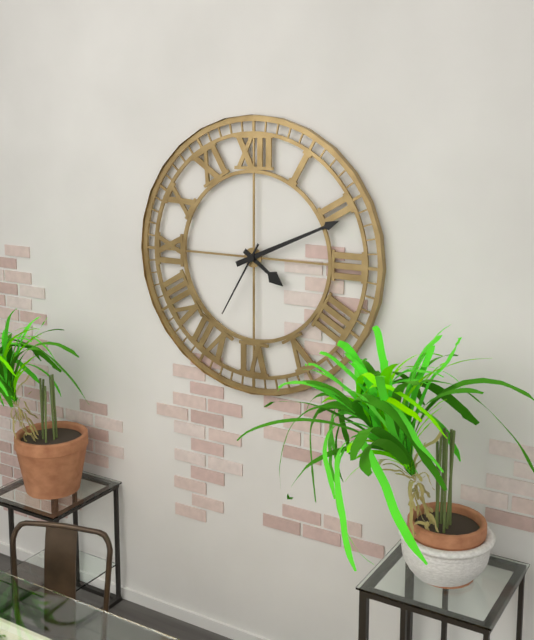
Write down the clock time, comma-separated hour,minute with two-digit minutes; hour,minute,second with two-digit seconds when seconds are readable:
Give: 4,11,35
